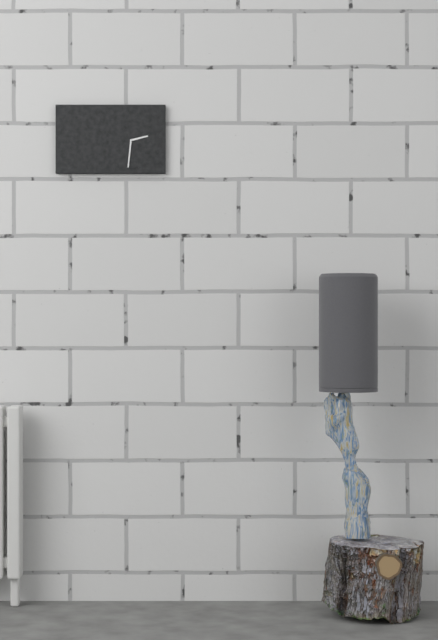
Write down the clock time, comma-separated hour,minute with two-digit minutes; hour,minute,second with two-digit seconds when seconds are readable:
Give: 2,31
